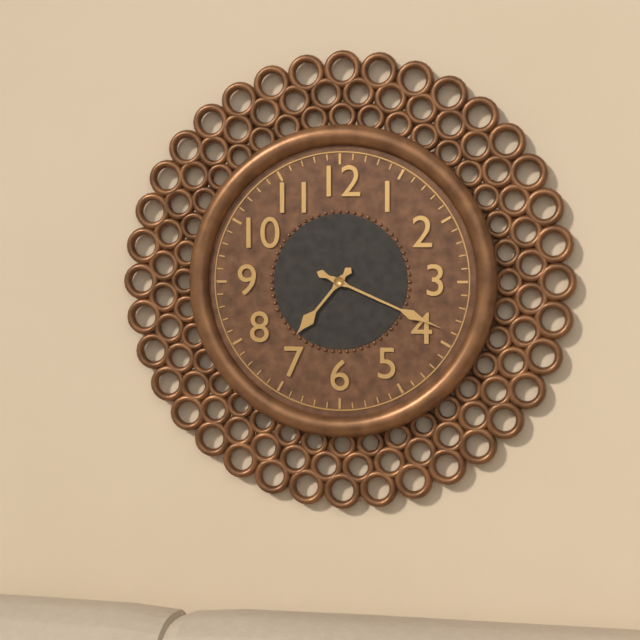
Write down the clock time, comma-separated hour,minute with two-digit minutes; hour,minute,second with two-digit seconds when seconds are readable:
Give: 7,19
